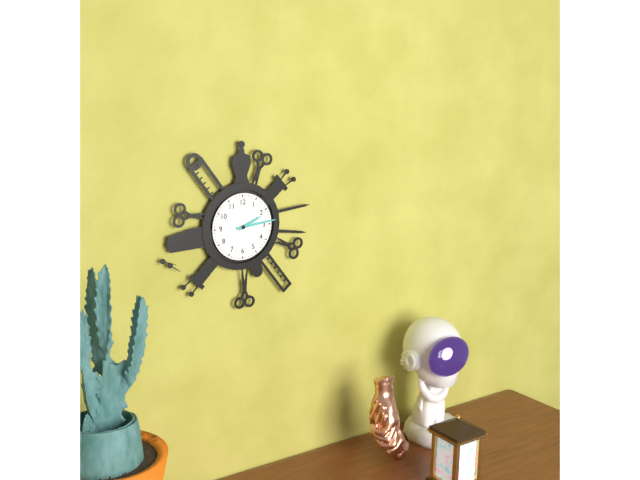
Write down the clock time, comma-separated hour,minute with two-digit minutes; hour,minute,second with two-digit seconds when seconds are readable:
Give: 2,14
